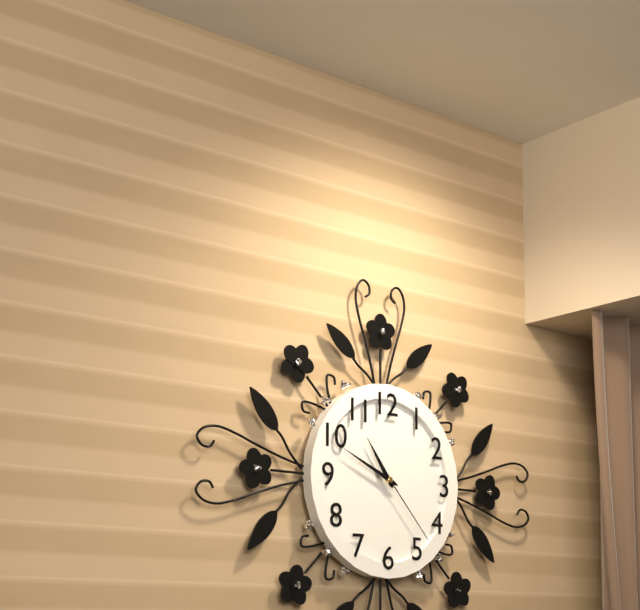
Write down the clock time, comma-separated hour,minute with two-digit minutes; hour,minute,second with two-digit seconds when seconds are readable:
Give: 10,49,23
